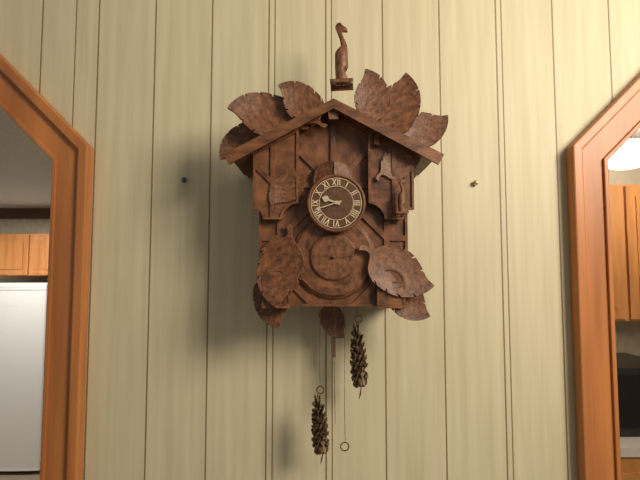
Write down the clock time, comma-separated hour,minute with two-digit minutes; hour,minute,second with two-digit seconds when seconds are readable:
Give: 9,42
